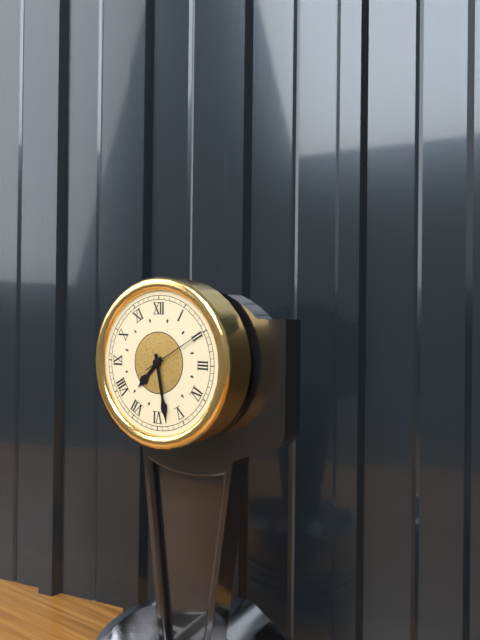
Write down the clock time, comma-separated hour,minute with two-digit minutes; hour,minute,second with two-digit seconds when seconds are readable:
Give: 7,28,10
